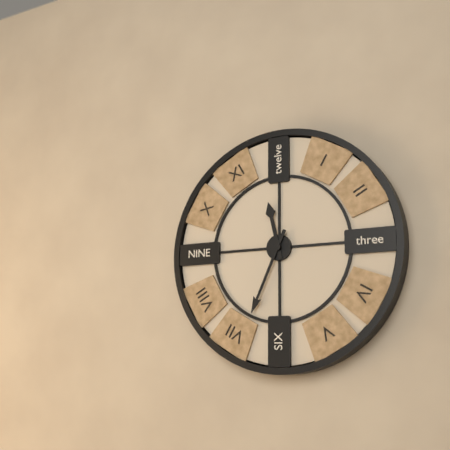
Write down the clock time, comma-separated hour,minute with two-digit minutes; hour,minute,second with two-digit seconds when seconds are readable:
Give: 11,34
